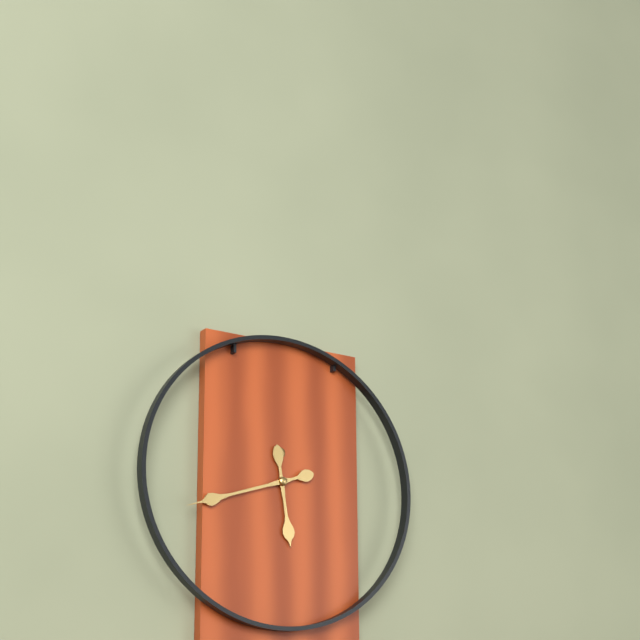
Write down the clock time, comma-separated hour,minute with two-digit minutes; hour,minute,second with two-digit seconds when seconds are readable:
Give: 5,42
